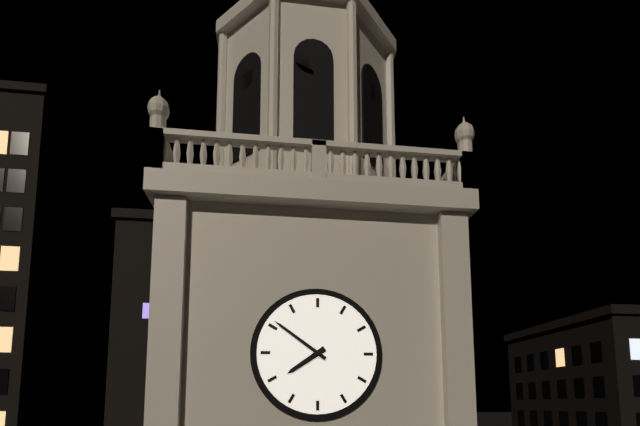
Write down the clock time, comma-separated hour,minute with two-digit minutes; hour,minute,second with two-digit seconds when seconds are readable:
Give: 7,51
